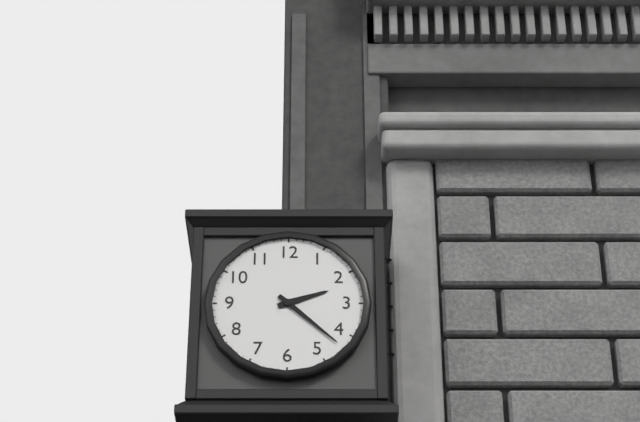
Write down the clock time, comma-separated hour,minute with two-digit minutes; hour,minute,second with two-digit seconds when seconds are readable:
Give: 2,22
